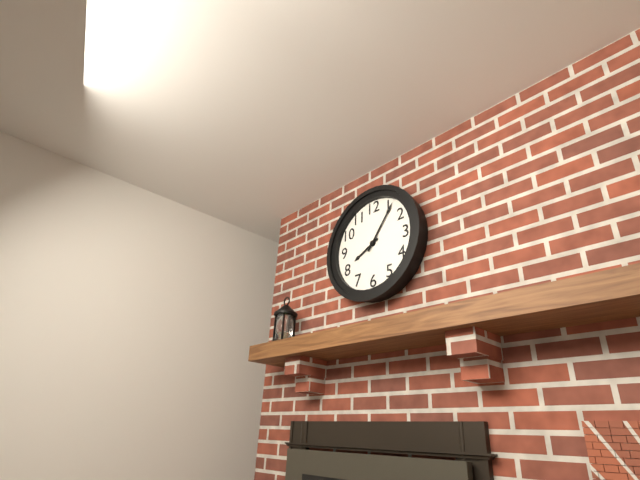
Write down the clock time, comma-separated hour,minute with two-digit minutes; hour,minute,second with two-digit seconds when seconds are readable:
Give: 8,06
